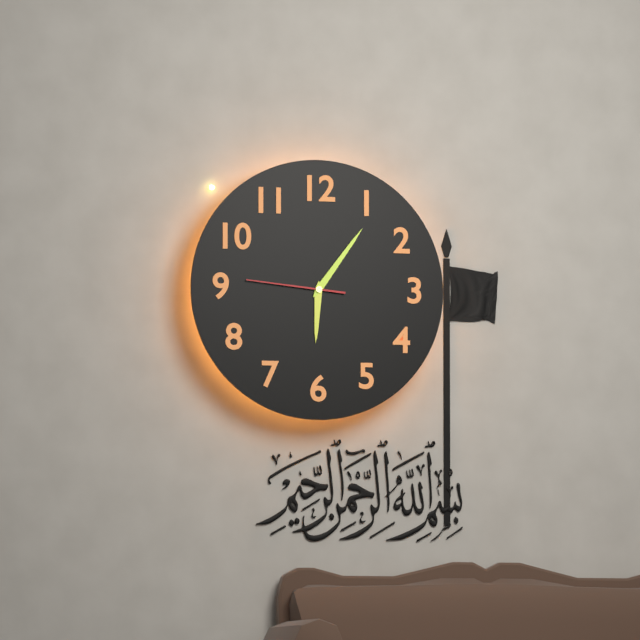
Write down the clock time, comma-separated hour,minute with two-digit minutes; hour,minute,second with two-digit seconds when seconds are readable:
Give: 6,06,46
